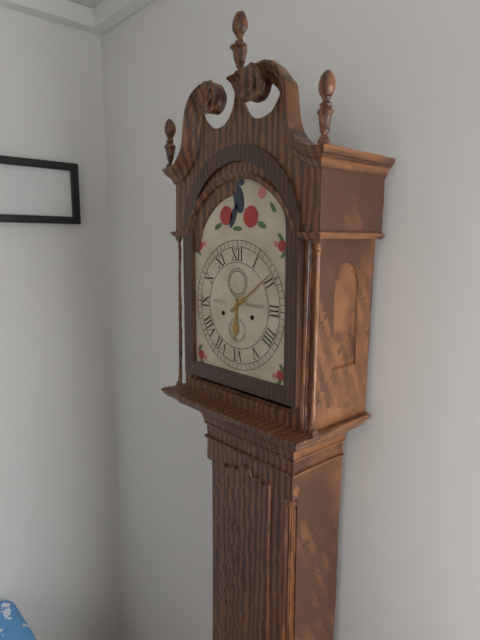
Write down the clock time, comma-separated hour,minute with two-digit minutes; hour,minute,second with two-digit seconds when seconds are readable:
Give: 6,09
